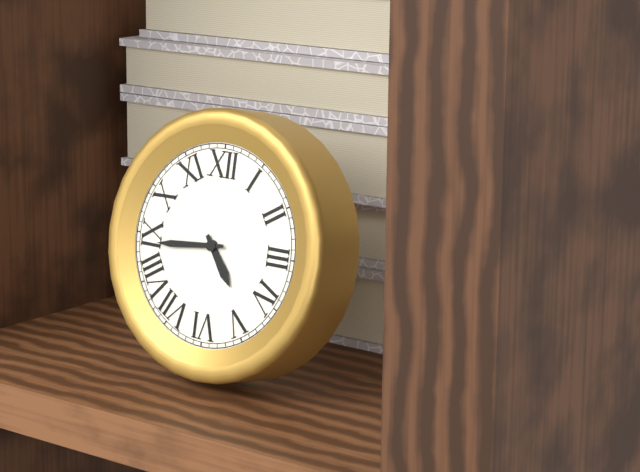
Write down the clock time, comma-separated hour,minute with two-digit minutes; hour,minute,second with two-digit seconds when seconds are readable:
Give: 4,44
